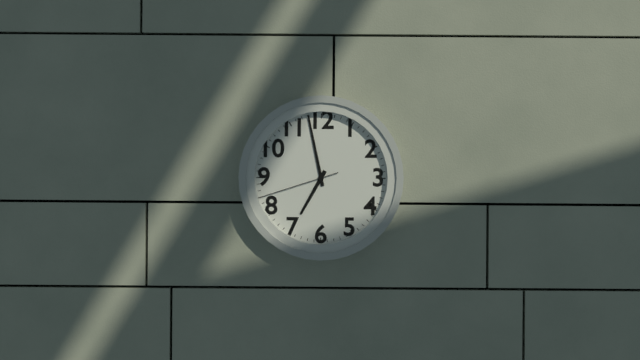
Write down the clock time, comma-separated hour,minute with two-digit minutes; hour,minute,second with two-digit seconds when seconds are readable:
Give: 6,58,42
